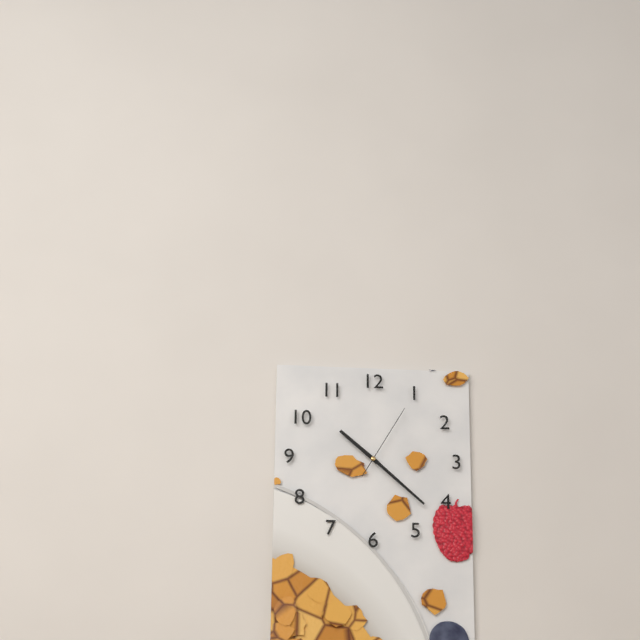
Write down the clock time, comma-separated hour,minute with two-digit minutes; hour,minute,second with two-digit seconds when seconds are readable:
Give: 10,22,05
